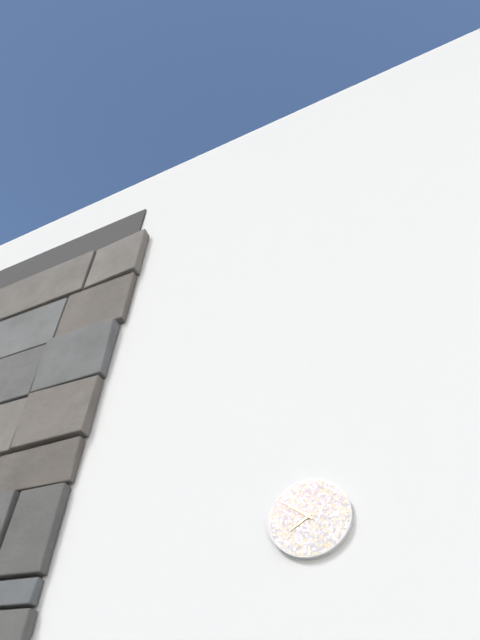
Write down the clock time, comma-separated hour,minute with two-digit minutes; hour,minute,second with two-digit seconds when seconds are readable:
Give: 7,51
